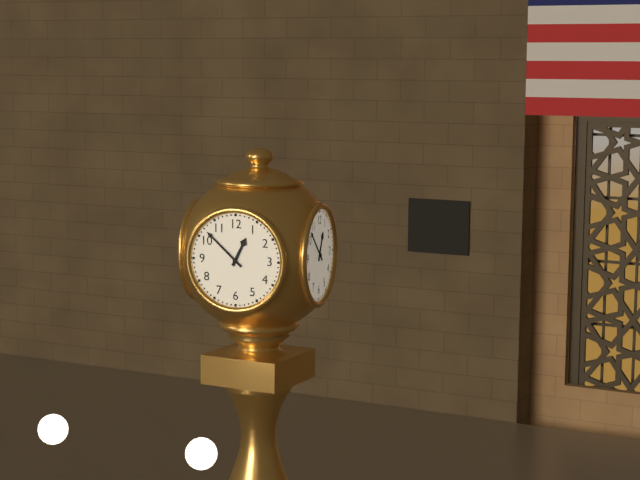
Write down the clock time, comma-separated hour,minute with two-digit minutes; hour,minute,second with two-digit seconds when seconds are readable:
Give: 12,52
